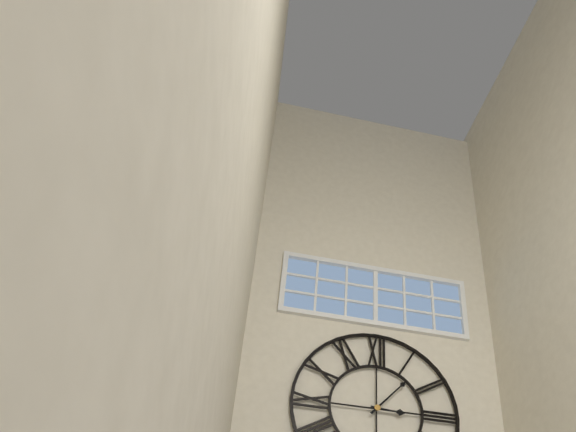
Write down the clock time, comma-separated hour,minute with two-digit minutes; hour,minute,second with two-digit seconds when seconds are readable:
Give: 3,07
